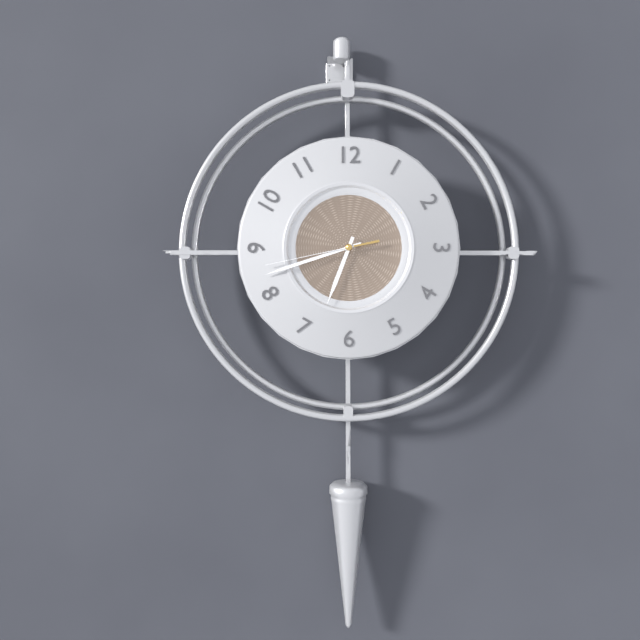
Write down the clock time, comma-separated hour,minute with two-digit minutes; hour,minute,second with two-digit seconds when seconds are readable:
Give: 6,42,43
